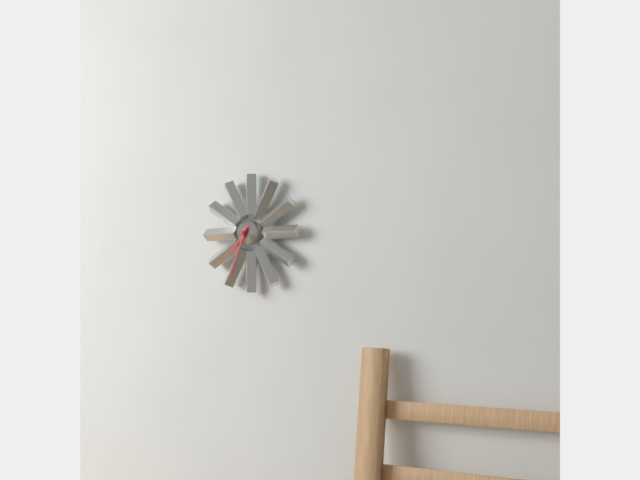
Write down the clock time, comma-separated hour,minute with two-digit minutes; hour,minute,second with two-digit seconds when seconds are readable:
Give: 7,34
